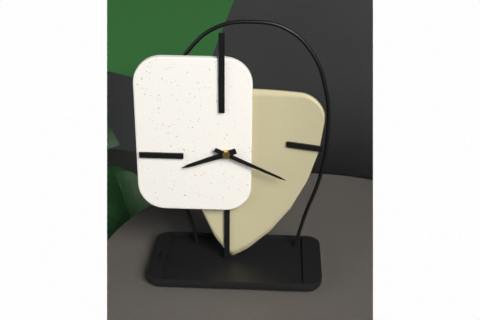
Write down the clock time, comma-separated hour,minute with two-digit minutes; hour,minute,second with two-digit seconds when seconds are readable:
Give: 8,19
